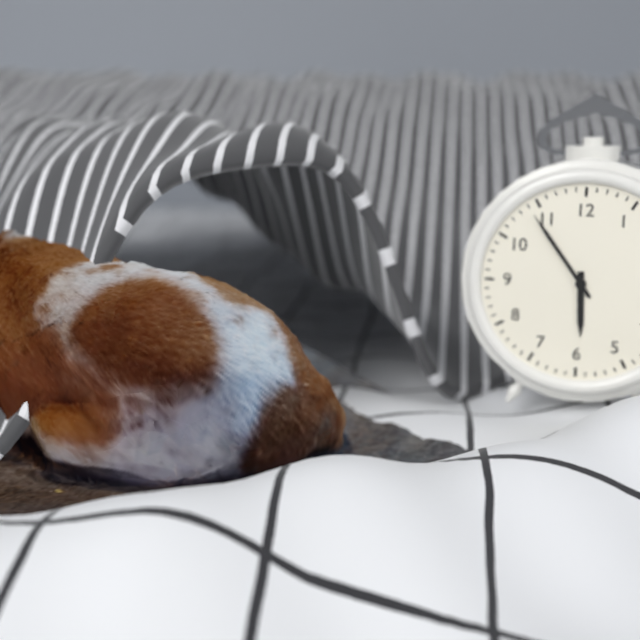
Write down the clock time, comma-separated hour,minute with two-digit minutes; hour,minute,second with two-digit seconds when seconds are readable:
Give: 5,54
